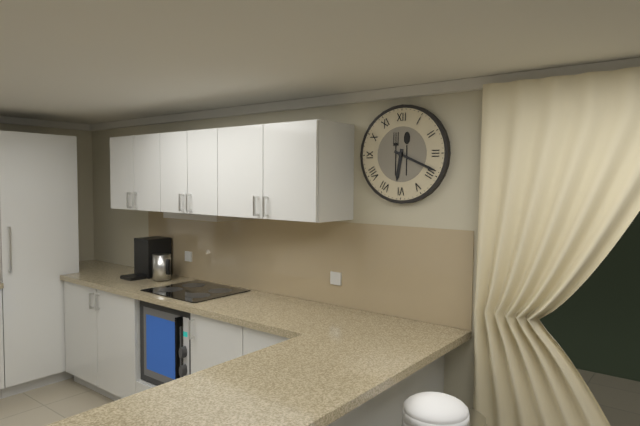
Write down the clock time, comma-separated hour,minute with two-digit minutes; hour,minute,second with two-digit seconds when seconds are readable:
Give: 6,19
